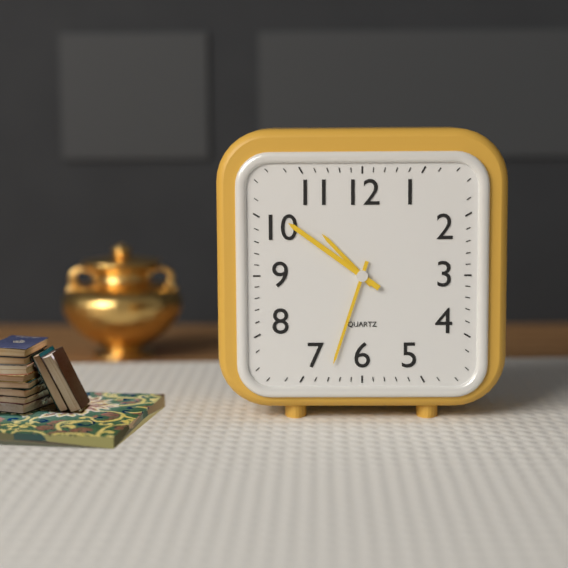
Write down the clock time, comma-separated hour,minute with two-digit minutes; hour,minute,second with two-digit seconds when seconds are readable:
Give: 10,33,51
